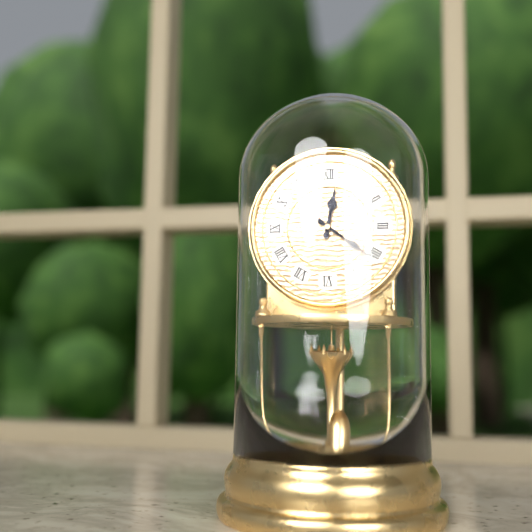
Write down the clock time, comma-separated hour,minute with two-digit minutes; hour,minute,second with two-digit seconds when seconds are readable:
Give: 12,21
